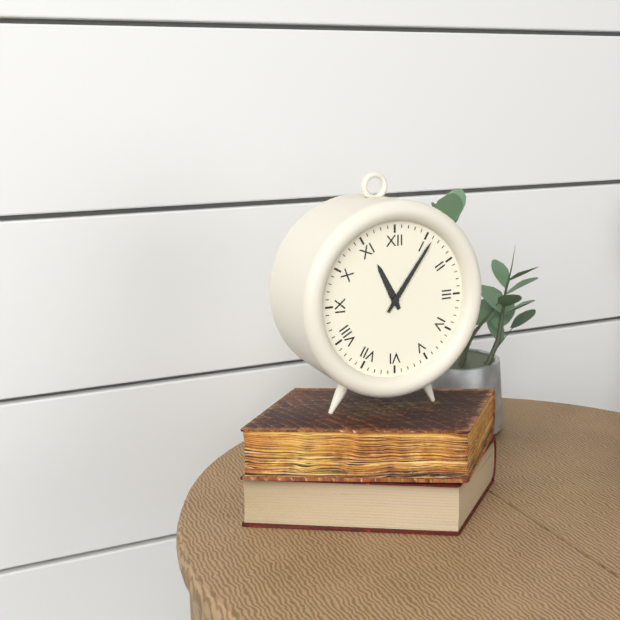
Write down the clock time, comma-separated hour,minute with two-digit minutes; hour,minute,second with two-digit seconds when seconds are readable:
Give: 11,06
